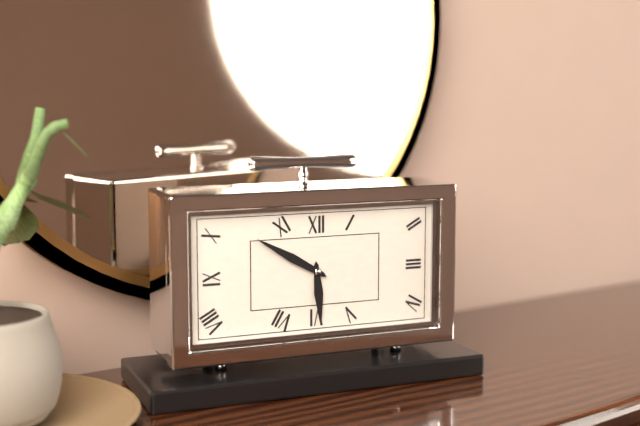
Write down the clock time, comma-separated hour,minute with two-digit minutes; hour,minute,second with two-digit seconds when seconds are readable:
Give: 5,50
